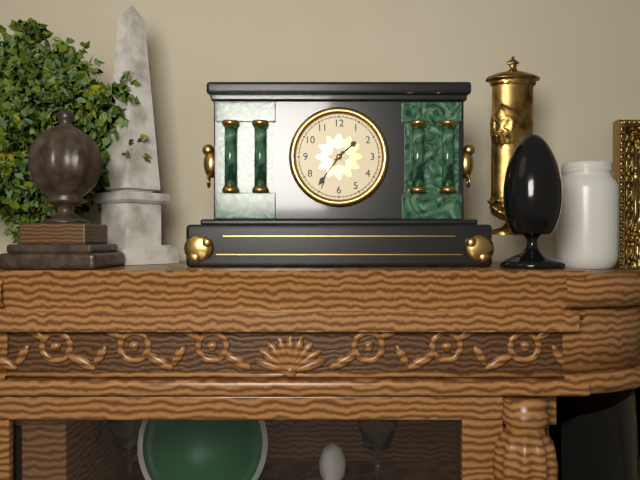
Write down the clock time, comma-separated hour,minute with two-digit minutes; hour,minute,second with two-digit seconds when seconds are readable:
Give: 1,36
